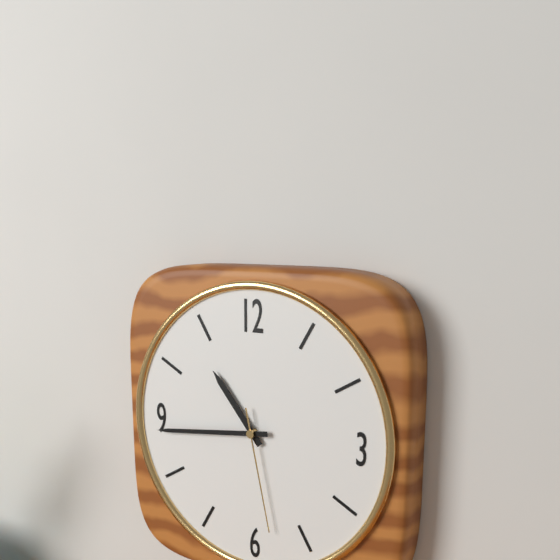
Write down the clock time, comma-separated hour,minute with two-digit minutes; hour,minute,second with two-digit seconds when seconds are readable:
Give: 10,44,28
